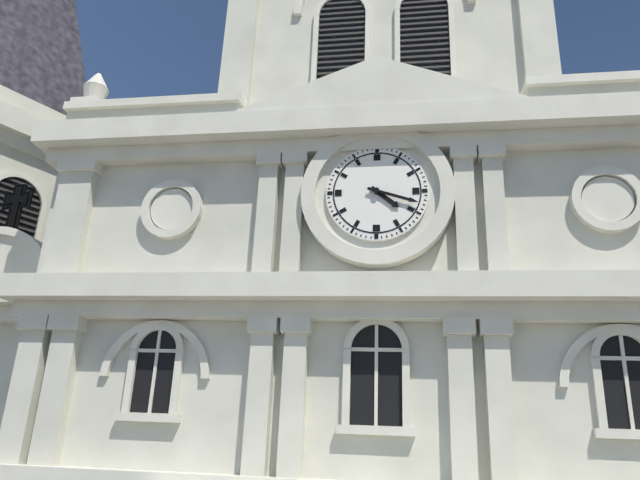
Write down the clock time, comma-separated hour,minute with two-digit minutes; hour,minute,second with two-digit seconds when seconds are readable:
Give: 4,18
